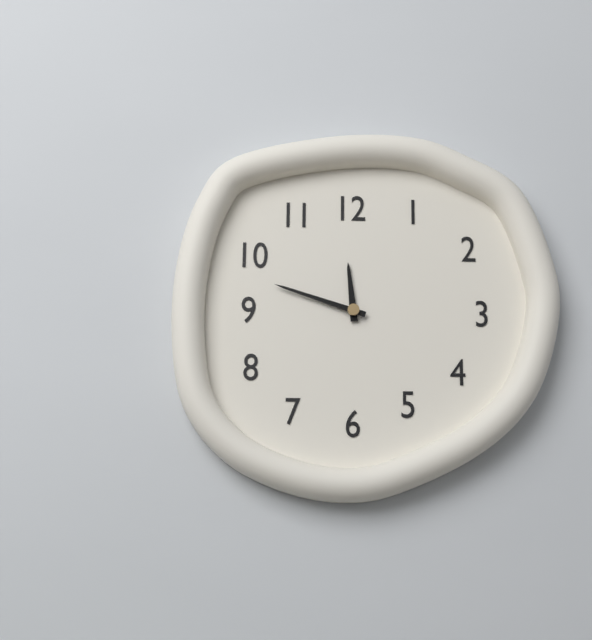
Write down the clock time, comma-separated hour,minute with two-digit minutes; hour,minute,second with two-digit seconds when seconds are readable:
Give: 11,48
